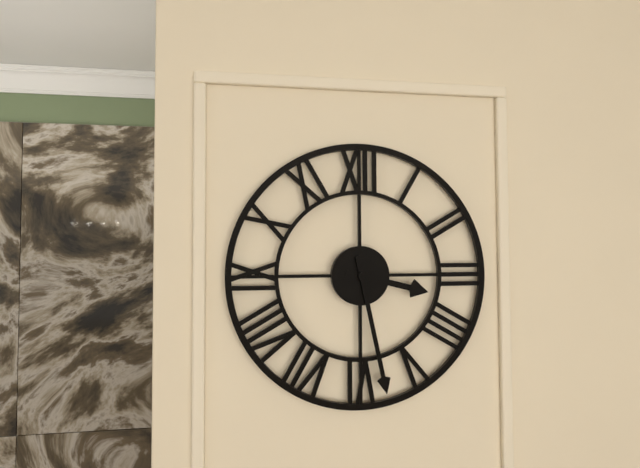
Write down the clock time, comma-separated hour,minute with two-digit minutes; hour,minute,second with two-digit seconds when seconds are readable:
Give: 3,28
